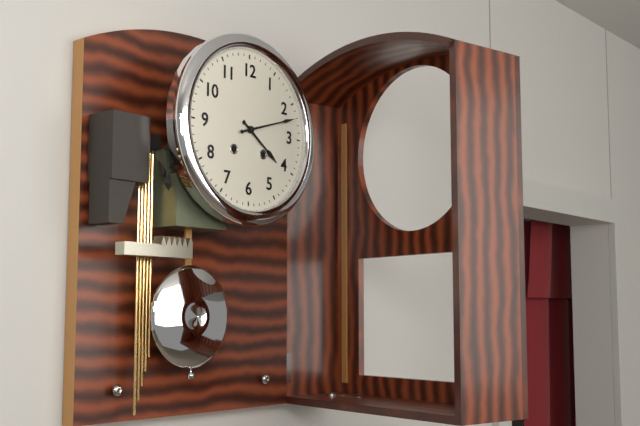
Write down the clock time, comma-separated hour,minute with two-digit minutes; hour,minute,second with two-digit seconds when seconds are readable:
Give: 4,12
